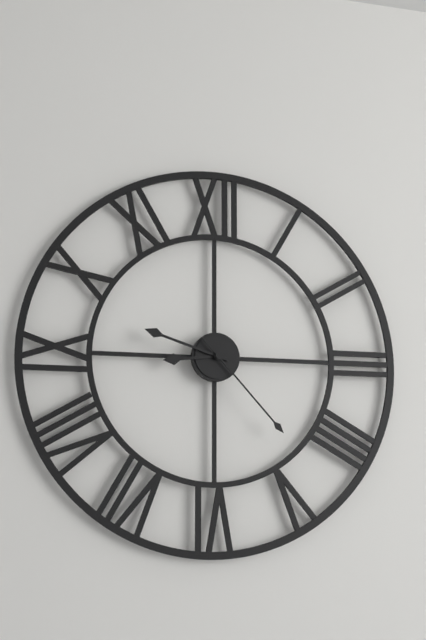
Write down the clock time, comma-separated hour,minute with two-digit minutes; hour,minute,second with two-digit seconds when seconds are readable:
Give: 8,48,23
